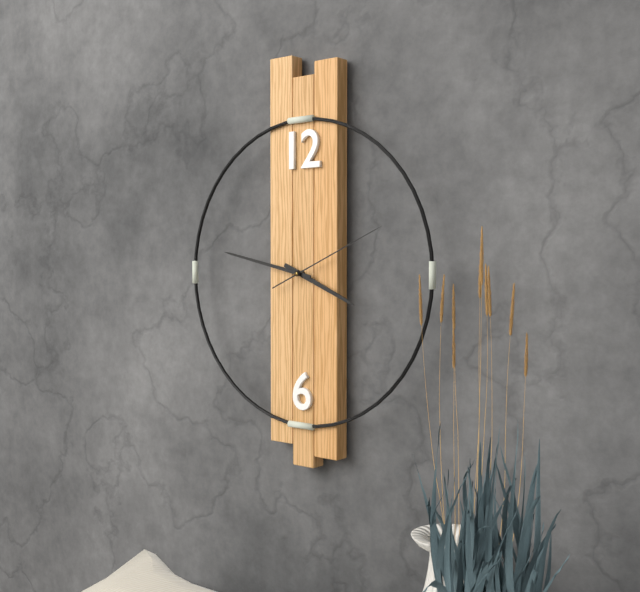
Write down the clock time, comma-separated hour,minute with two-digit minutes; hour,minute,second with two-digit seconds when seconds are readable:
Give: 3,47,11
